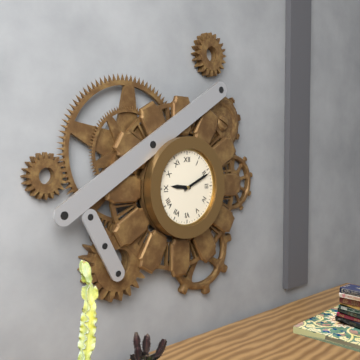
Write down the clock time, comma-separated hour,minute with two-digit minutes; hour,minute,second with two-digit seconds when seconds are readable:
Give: 9,11
